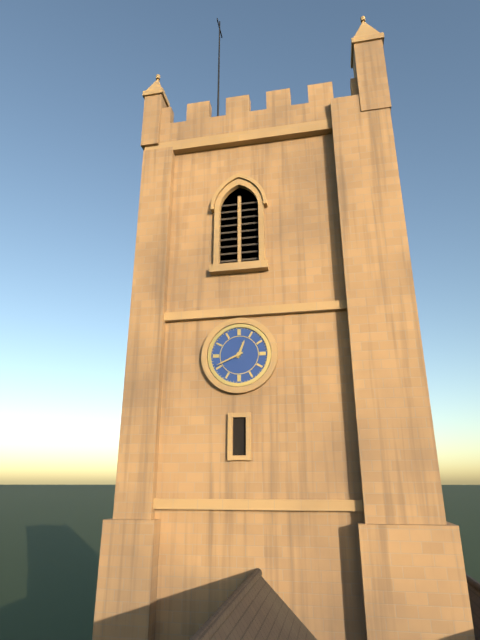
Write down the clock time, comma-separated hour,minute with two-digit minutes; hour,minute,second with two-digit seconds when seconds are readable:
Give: 12,41
